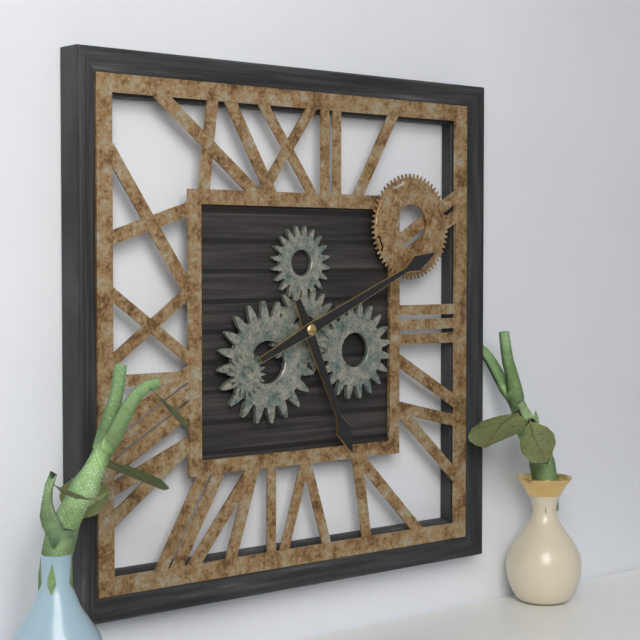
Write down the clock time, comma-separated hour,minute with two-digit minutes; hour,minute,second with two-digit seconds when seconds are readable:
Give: 5,11
